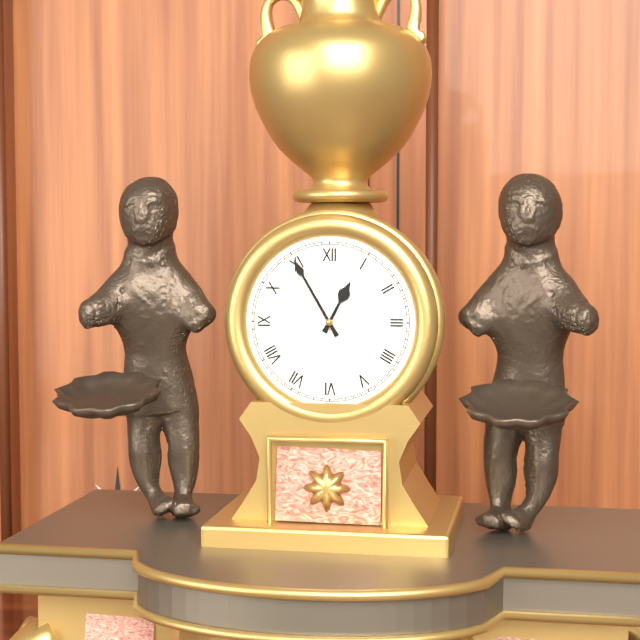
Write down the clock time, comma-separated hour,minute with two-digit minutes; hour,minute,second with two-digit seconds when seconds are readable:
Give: 12,55
